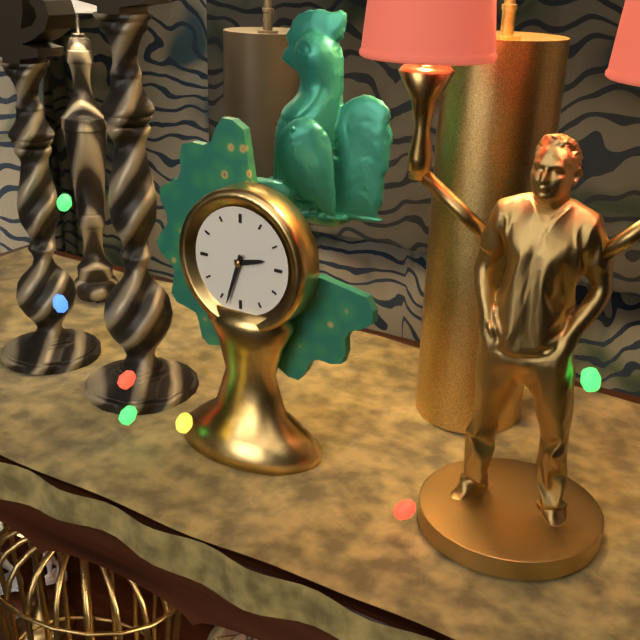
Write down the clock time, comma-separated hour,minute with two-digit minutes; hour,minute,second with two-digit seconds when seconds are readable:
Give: 2,33
